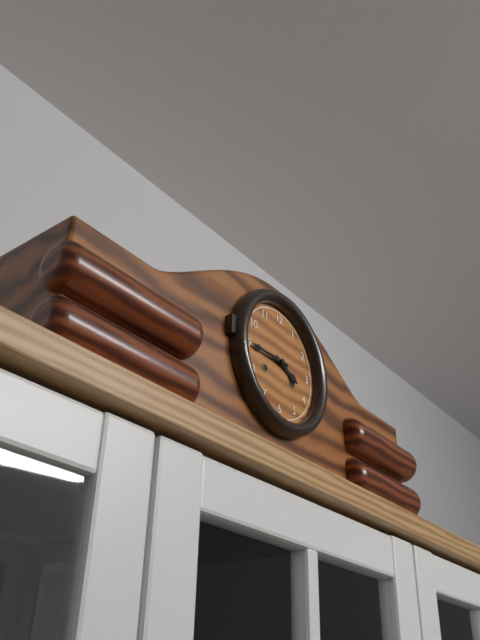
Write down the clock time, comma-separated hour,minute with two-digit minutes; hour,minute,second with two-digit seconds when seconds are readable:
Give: 3,45
